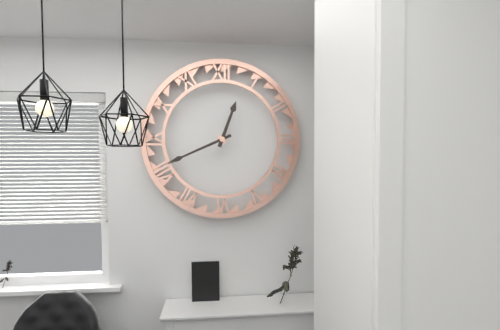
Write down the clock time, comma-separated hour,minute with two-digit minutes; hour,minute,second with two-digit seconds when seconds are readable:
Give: 12,41
